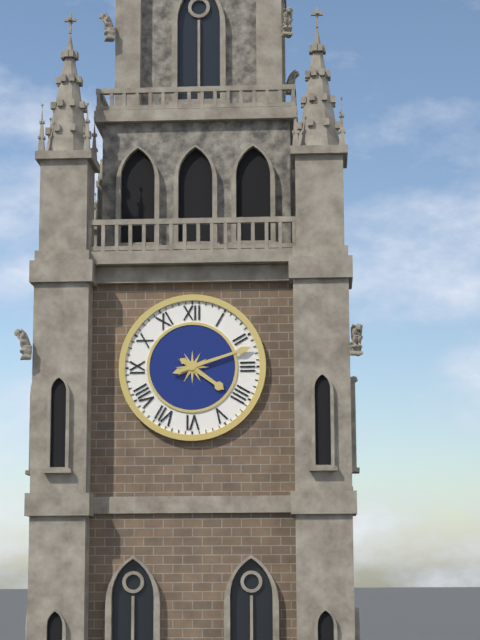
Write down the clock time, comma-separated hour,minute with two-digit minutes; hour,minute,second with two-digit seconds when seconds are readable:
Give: 4,12
